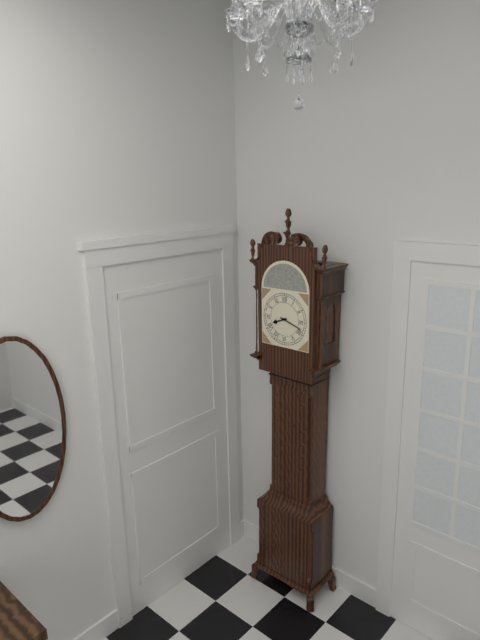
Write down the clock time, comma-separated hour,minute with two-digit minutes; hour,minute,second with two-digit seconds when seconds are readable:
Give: 8,18
